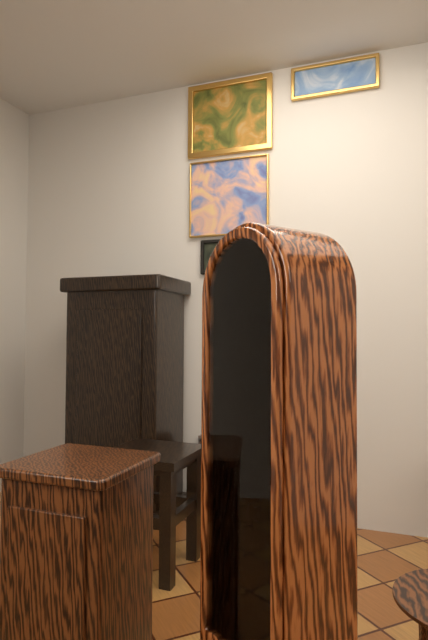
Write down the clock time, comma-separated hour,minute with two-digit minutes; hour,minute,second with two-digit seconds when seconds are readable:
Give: 7,39
